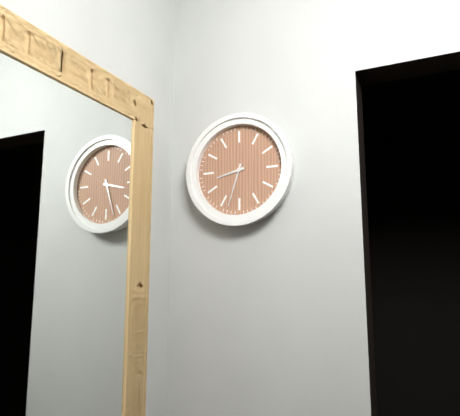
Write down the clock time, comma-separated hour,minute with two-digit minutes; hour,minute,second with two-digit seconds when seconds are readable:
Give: 8,33
